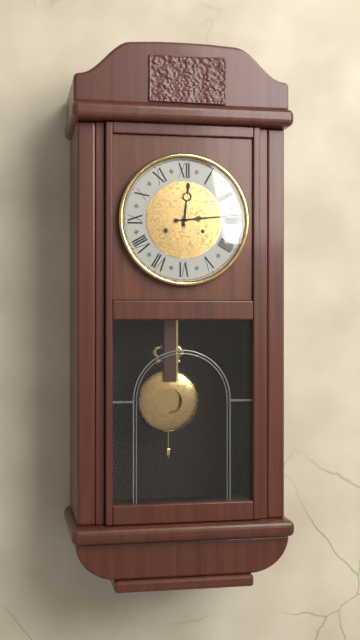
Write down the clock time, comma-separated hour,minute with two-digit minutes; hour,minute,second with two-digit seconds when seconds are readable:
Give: 12,14
